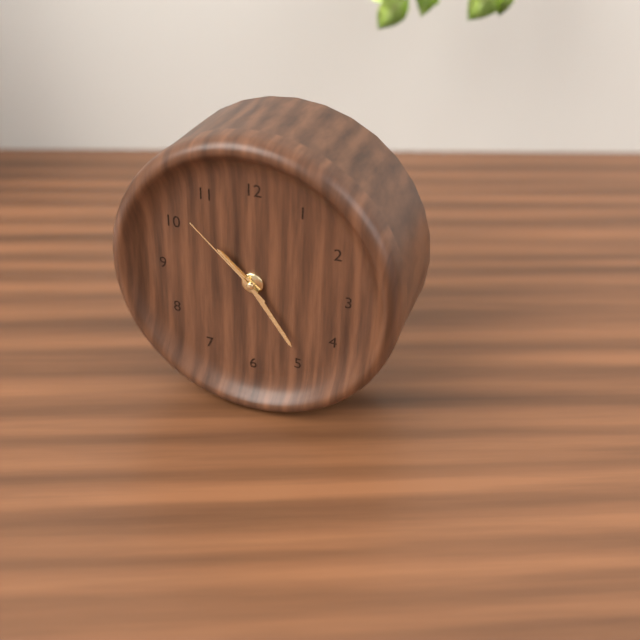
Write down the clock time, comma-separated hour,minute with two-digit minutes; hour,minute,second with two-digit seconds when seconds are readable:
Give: 10,24,52
